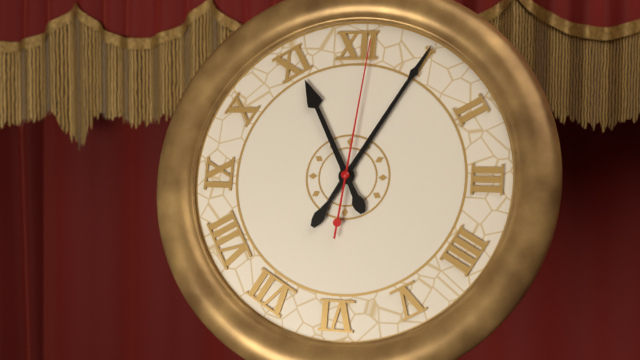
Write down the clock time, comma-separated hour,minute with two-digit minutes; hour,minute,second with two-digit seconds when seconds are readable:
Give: 11,05,01
